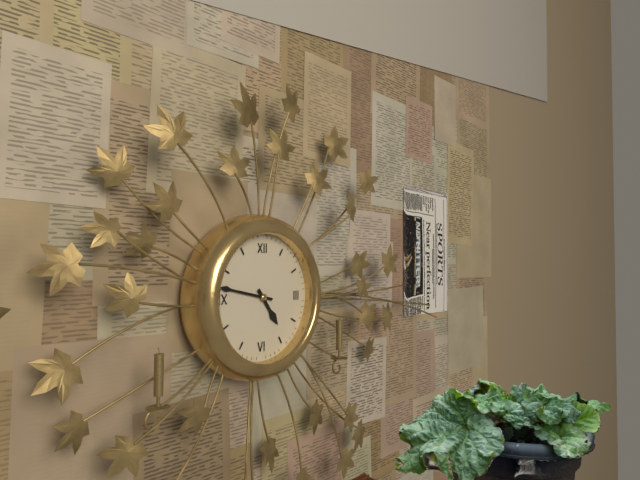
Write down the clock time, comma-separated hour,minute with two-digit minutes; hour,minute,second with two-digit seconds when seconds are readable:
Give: 4,47
